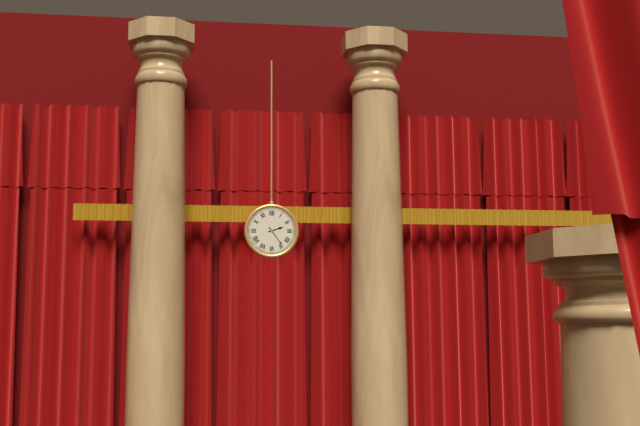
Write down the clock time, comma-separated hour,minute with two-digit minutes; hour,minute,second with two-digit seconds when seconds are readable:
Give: 2,24
